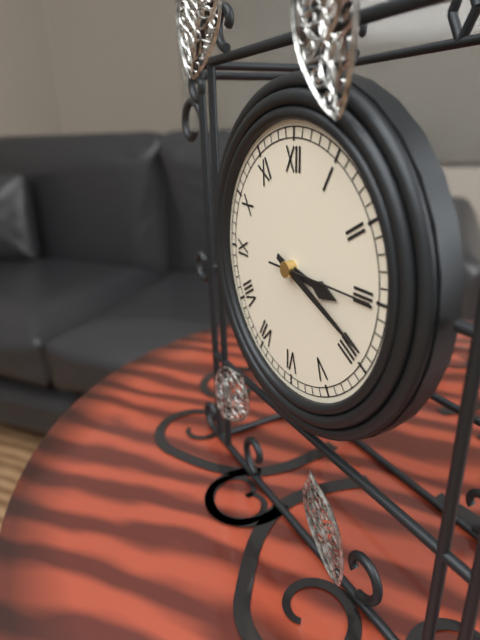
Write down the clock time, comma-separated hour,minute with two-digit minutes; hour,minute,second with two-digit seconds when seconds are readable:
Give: 3,19,15
